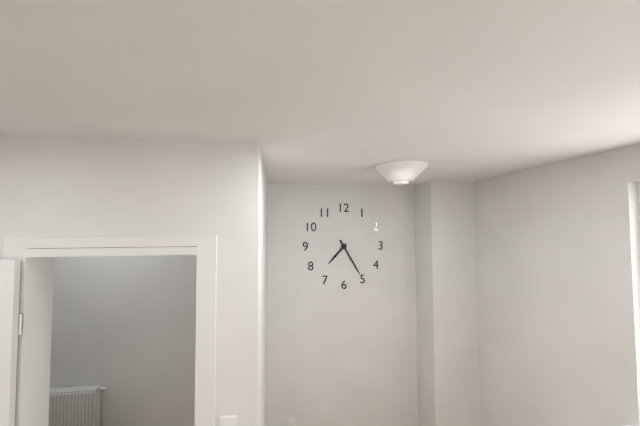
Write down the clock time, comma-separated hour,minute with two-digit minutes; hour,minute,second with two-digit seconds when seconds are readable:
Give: 7,25
